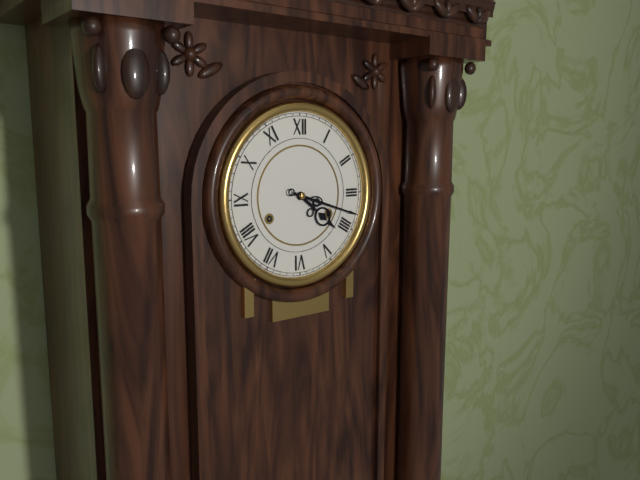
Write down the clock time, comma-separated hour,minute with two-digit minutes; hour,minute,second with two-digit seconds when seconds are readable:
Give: 4,18
